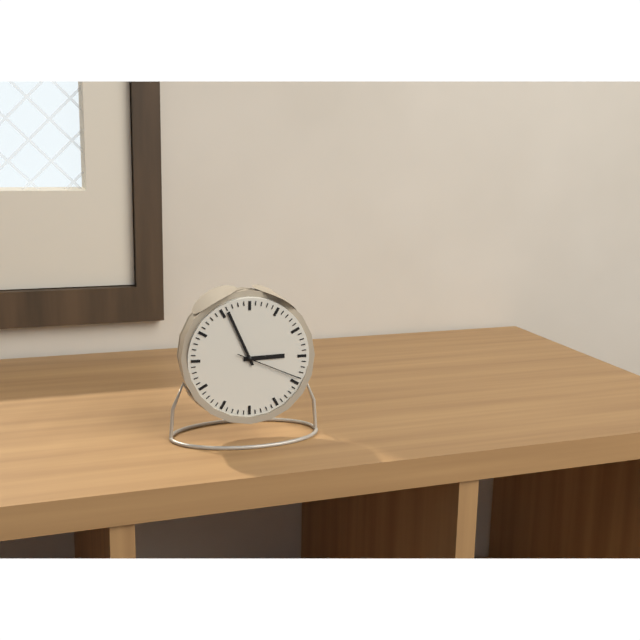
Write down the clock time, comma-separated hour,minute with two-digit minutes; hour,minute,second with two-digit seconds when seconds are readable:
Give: 2,56,19
